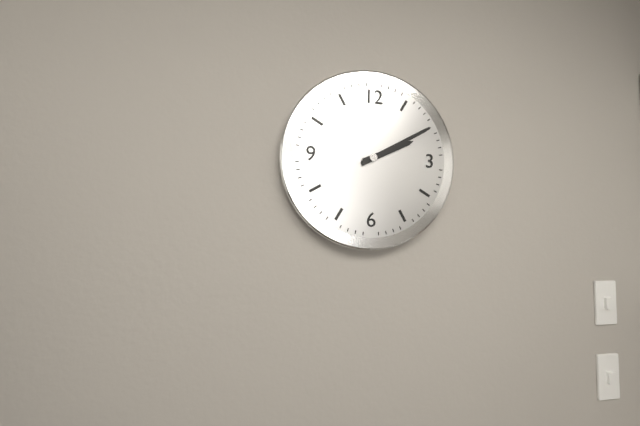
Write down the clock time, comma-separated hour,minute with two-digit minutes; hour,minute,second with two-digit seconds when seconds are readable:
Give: 2,10
